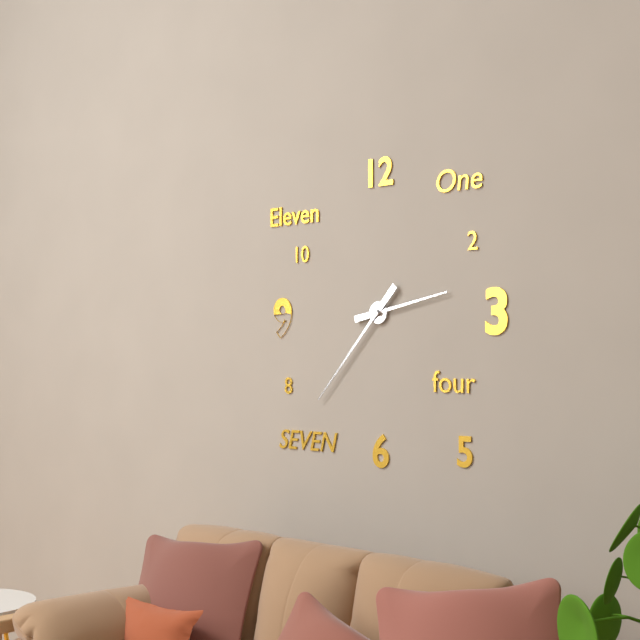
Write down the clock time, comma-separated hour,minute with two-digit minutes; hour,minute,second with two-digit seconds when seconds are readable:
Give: 2,37
